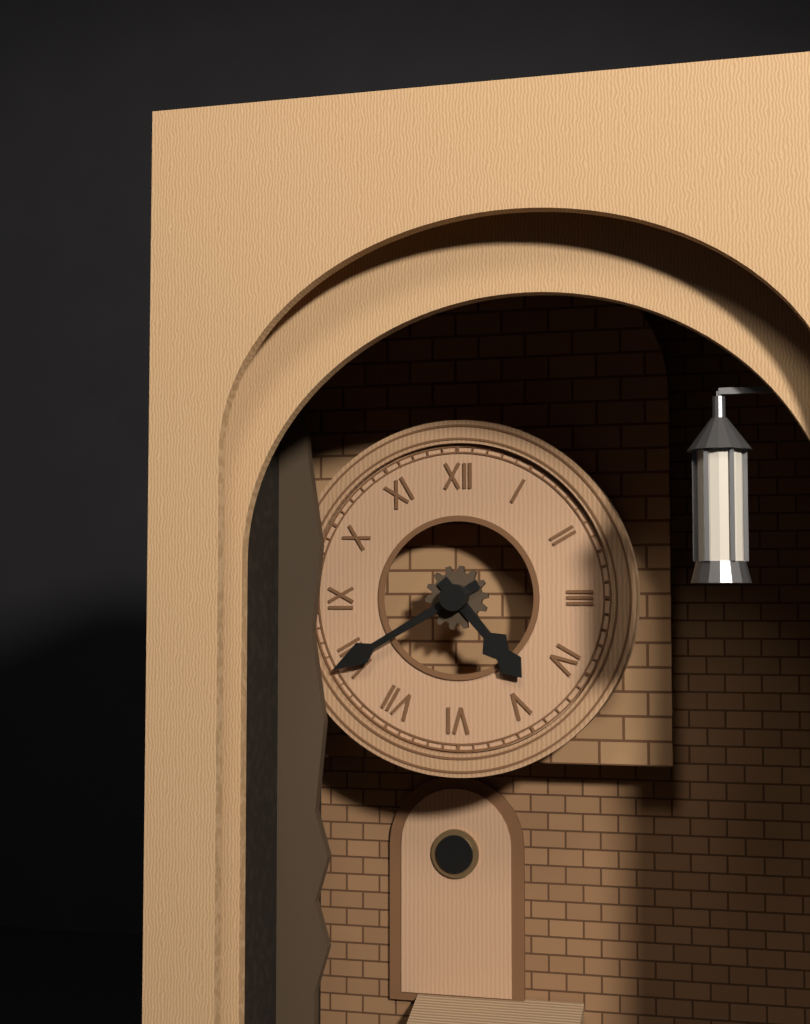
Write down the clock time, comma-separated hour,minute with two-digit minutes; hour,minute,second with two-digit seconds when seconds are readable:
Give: 4,40
